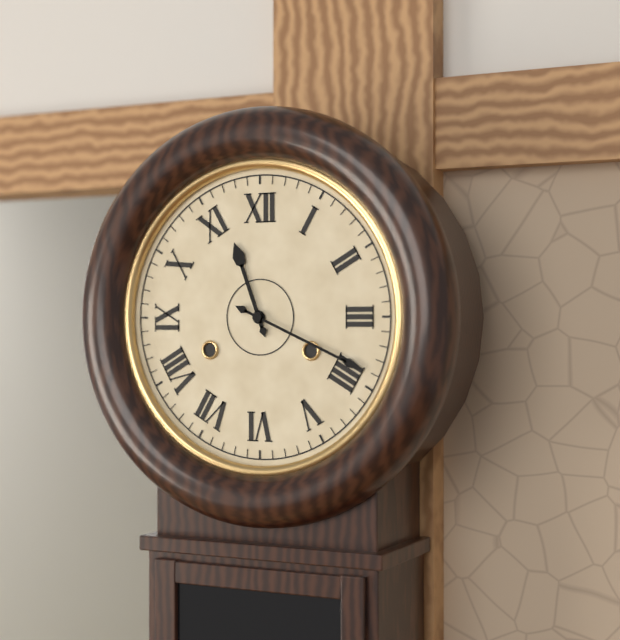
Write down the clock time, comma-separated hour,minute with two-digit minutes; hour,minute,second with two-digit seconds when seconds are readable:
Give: 11,19
